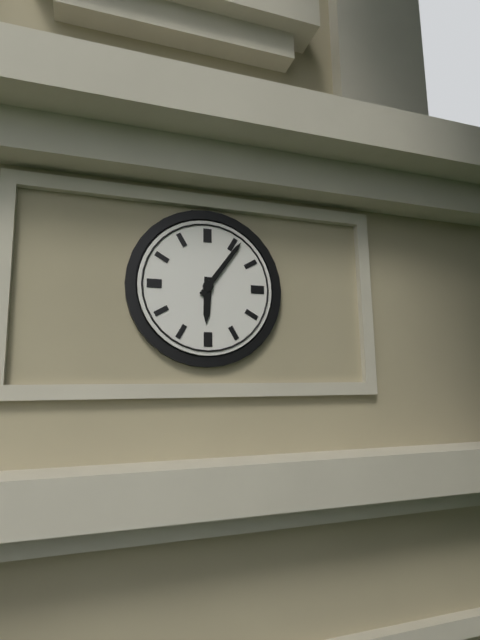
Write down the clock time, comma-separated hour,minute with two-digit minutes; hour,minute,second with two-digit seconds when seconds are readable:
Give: 6,06
